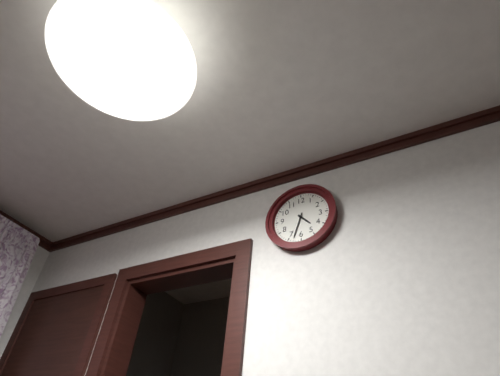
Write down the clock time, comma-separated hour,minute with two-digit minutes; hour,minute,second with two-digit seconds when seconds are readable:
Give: 4,33
